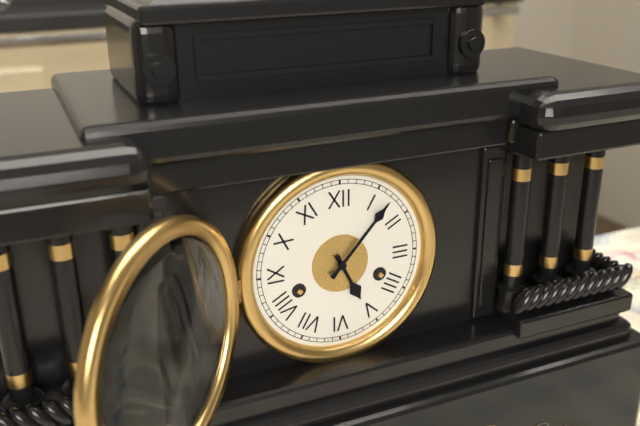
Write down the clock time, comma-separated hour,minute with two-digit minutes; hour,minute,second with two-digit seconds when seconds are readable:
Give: 5,07
